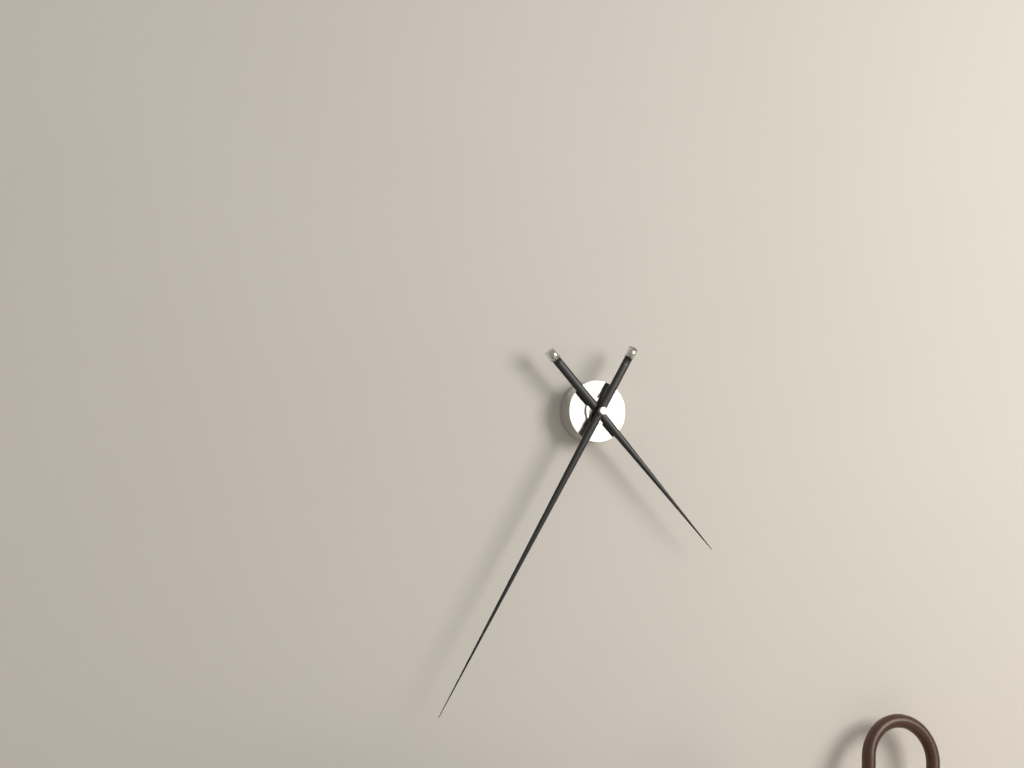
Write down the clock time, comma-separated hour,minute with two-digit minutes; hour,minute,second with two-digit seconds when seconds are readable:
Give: 4,35
